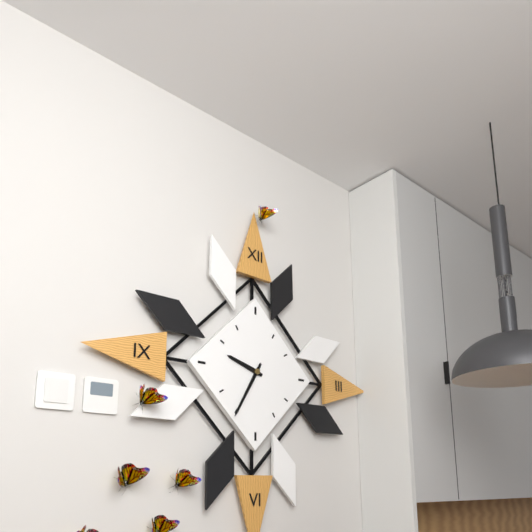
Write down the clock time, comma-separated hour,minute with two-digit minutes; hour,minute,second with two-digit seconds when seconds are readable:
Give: 9,35
